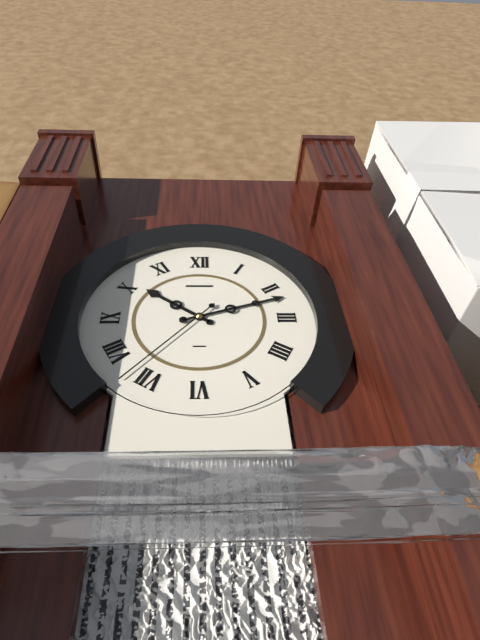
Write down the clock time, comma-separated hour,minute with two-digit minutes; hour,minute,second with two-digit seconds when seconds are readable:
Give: 10,12,37
